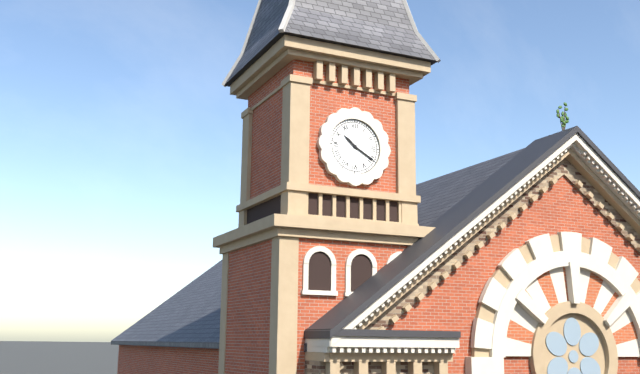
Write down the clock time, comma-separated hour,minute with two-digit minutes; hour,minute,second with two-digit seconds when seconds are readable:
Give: 10,20
